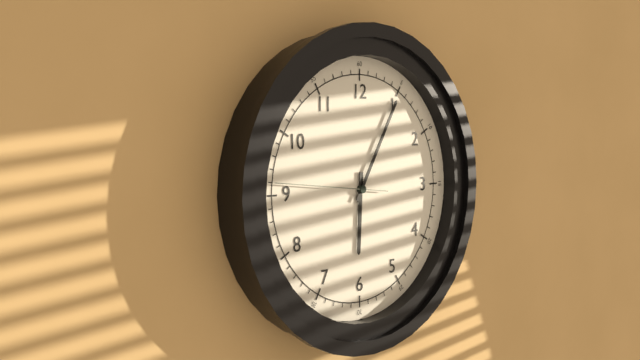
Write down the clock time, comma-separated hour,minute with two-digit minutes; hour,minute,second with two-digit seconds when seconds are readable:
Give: 6,05,46
